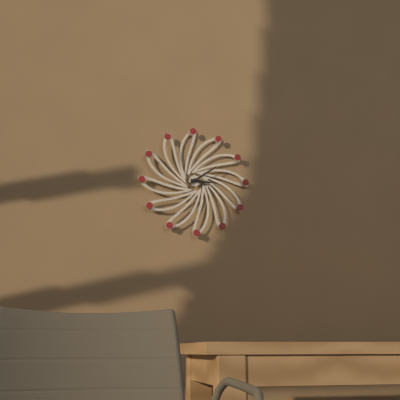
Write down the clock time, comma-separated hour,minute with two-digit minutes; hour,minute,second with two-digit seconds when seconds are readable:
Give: 3,09
